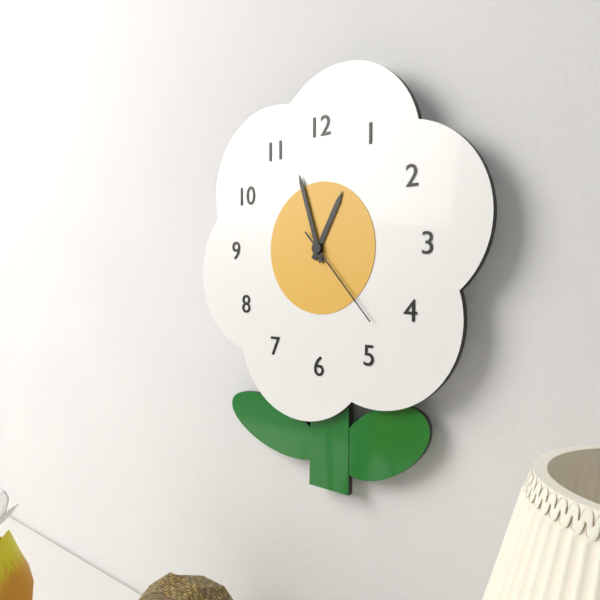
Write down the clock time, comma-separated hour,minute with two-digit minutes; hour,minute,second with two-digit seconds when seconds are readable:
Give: 12,57,23
